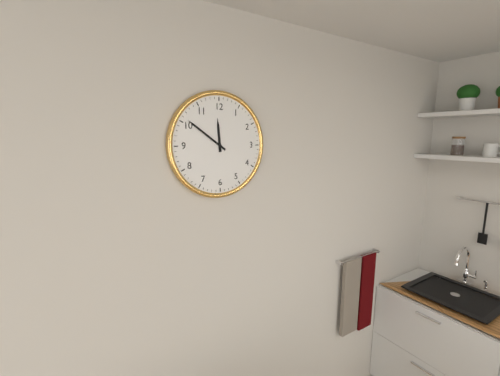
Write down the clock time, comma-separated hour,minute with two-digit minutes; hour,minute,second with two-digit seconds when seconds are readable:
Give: 11,51
